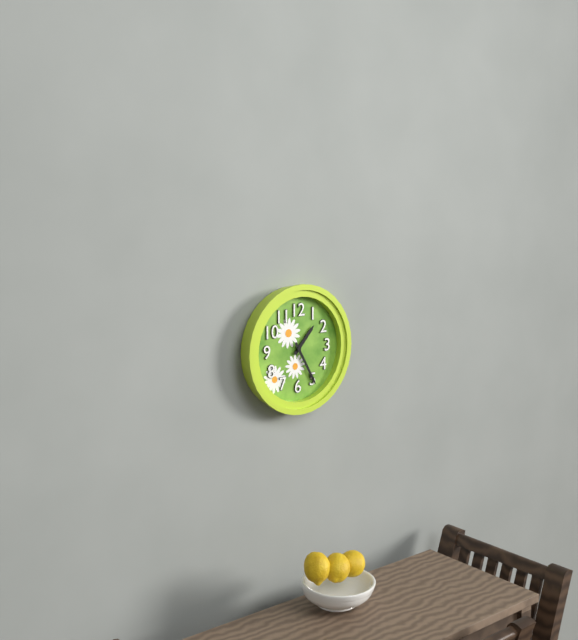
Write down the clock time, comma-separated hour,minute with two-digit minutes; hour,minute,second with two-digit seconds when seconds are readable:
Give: 1,25
